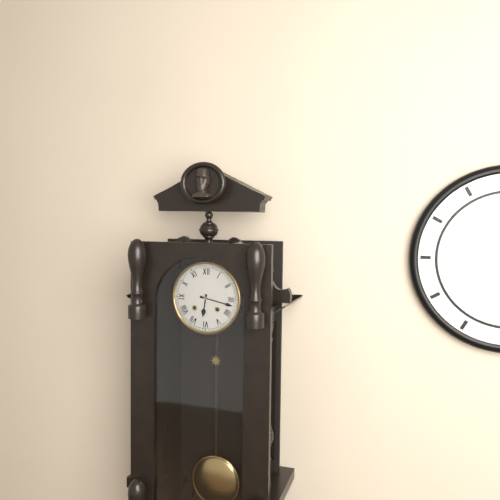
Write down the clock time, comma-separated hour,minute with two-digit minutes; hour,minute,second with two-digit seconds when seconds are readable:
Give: 6,17
